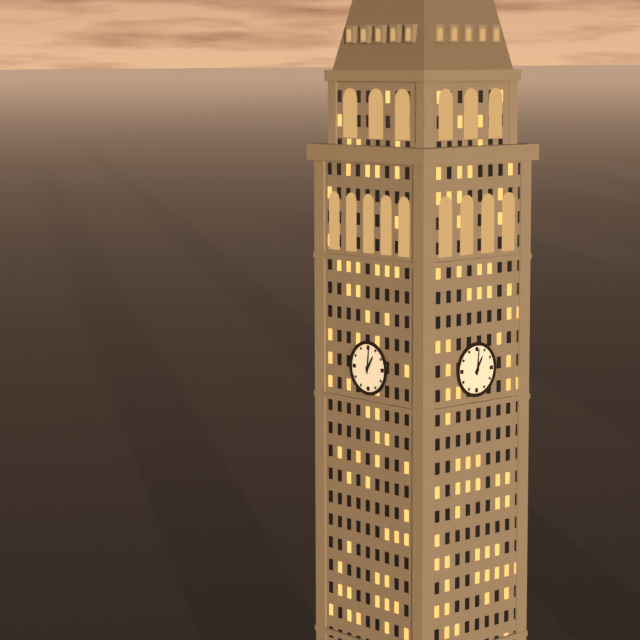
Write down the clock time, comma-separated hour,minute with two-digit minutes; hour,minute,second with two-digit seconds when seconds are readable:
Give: 1,01
